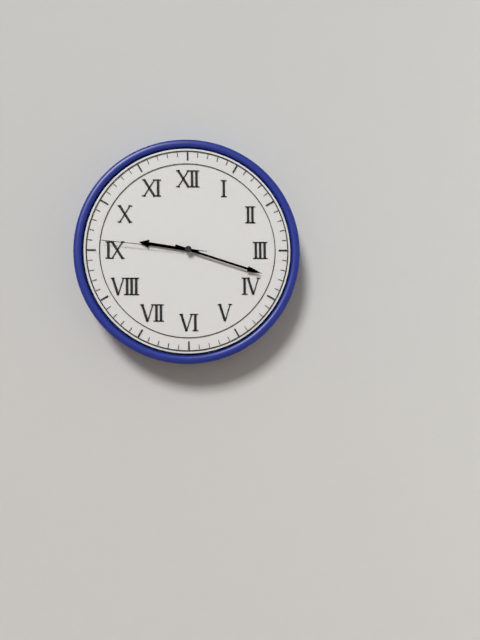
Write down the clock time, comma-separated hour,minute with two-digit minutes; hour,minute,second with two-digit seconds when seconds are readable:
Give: 9,18,46
